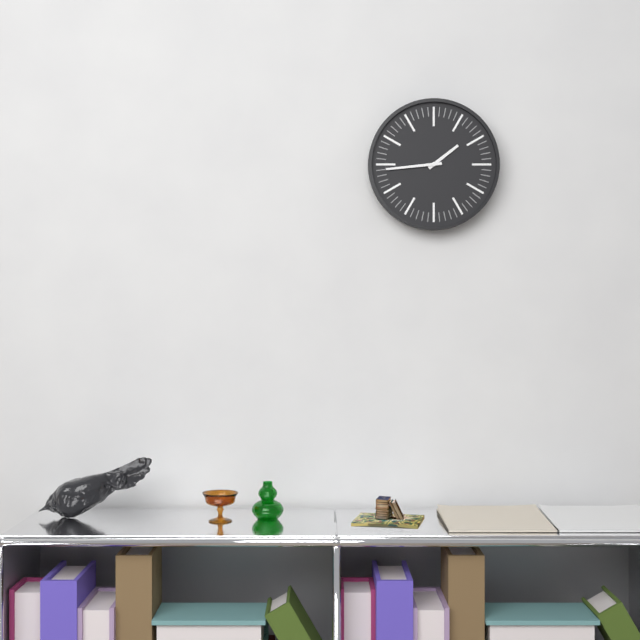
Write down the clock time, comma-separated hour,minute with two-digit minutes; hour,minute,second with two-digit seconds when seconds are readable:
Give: 1,44
